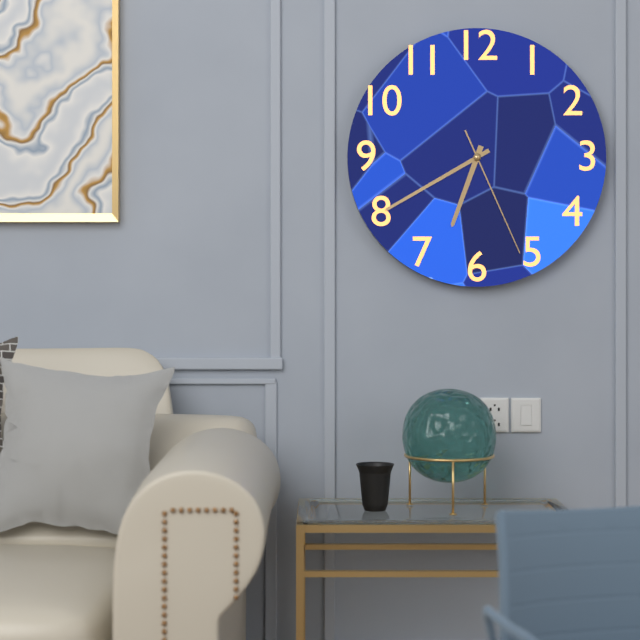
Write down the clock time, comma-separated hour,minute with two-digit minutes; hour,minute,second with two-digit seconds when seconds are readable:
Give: 6,40,26
